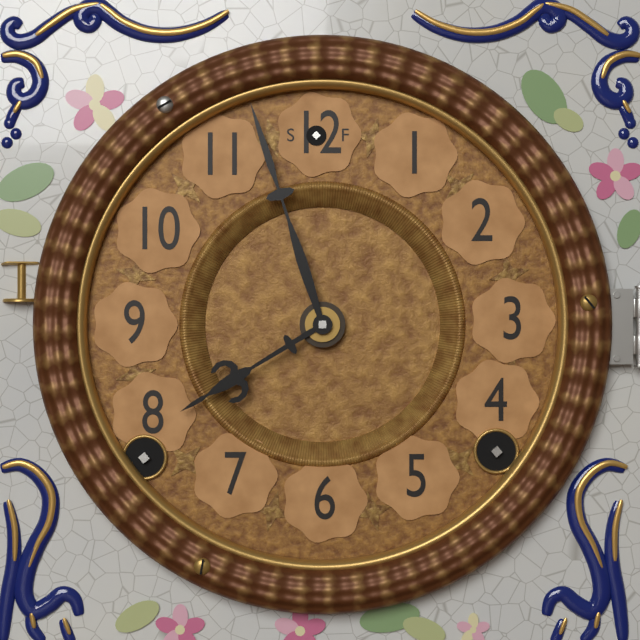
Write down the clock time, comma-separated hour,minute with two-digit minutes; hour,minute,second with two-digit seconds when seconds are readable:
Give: 7,57
